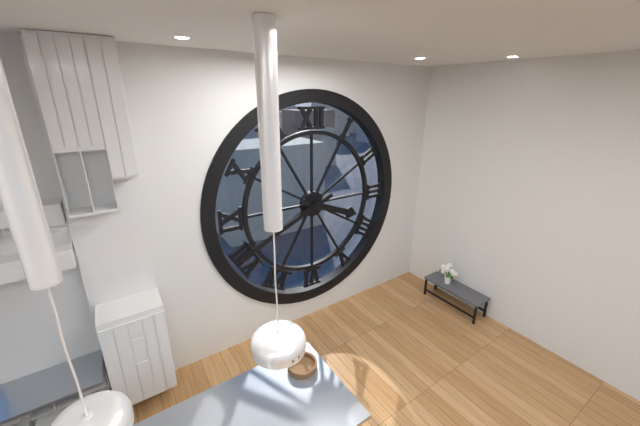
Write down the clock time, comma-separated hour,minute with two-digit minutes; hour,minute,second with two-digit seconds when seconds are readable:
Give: 3,41
